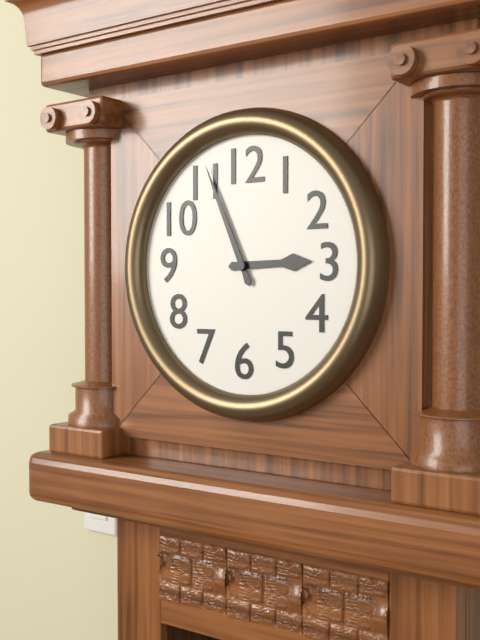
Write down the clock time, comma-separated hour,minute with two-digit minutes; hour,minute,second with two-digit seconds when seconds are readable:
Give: 2,56
